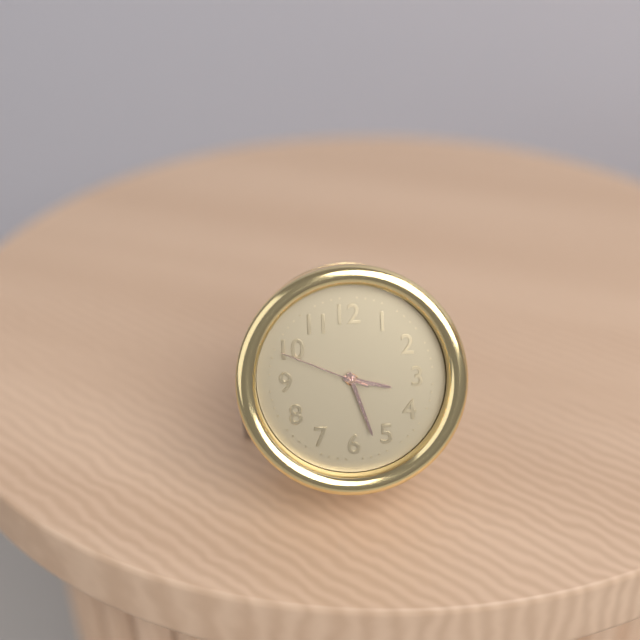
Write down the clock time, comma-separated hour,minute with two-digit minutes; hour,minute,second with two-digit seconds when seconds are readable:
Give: 3,27,49
